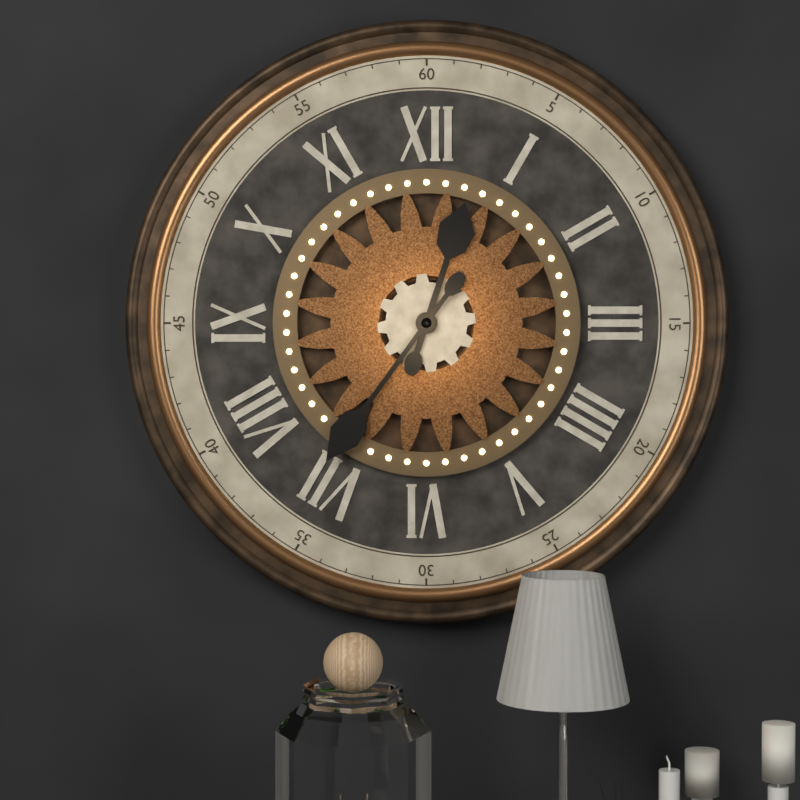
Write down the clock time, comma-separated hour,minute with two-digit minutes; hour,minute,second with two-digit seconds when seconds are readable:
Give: 12,36
